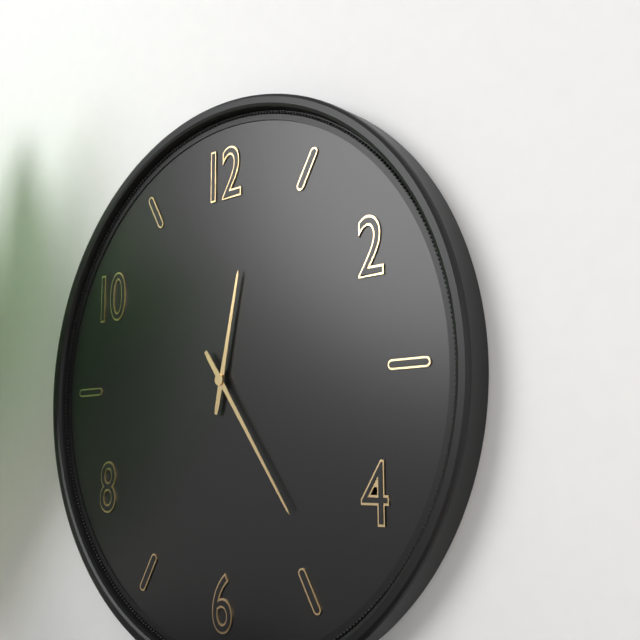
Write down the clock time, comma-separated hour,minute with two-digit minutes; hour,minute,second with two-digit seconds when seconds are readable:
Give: 12,24
